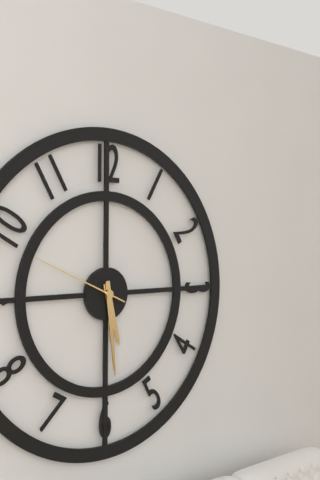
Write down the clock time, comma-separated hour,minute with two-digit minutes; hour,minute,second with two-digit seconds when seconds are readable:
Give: 5,29,49
